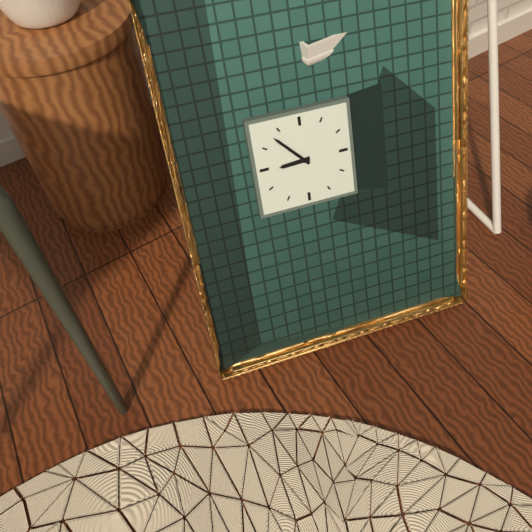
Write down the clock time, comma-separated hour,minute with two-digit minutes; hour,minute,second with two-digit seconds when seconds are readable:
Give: 8,53
